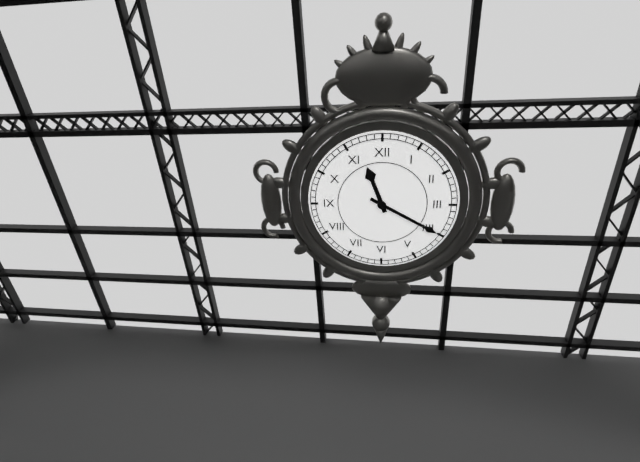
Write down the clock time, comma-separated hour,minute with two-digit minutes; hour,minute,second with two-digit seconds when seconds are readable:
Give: 11,20
